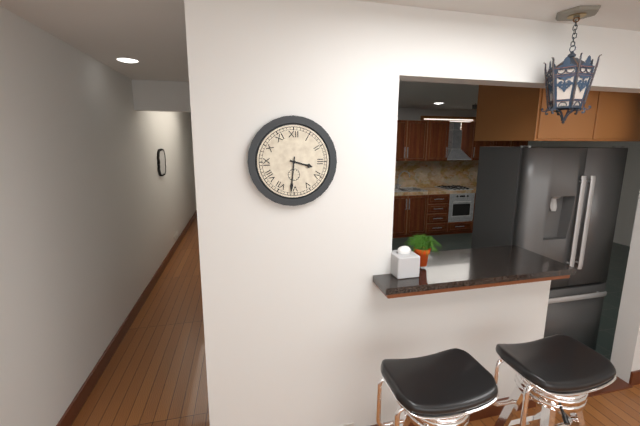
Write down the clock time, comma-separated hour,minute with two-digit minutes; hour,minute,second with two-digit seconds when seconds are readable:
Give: 3,31
